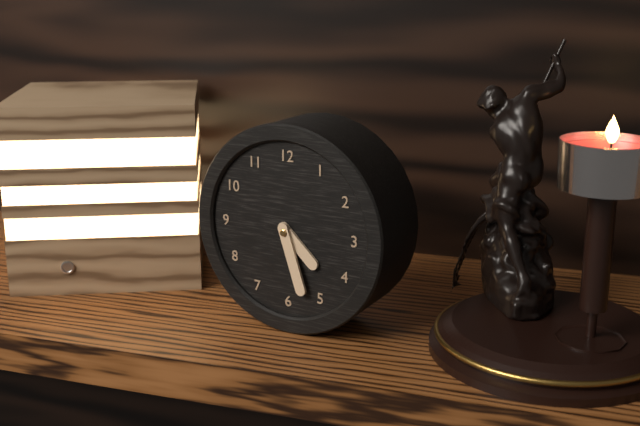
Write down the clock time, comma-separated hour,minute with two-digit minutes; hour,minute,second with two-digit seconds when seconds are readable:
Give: 4,27
